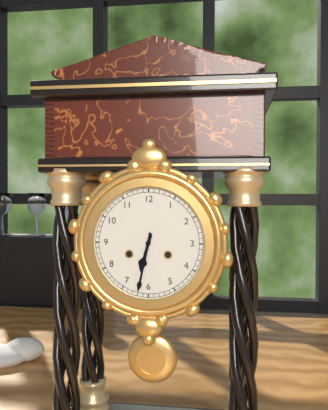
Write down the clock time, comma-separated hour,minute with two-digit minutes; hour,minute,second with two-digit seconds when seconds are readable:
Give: 6,32
